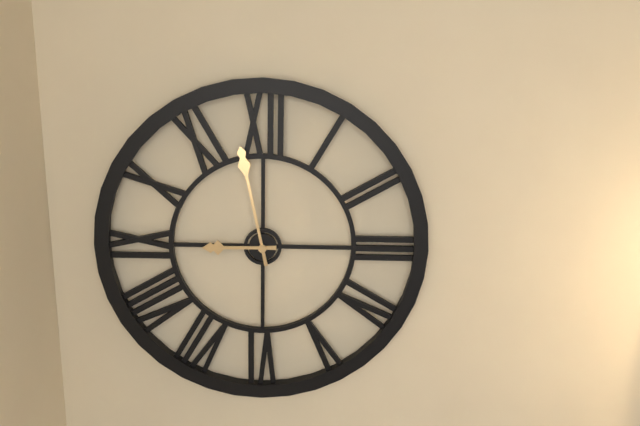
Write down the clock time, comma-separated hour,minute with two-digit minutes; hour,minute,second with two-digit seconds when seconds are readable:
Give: 8,58
